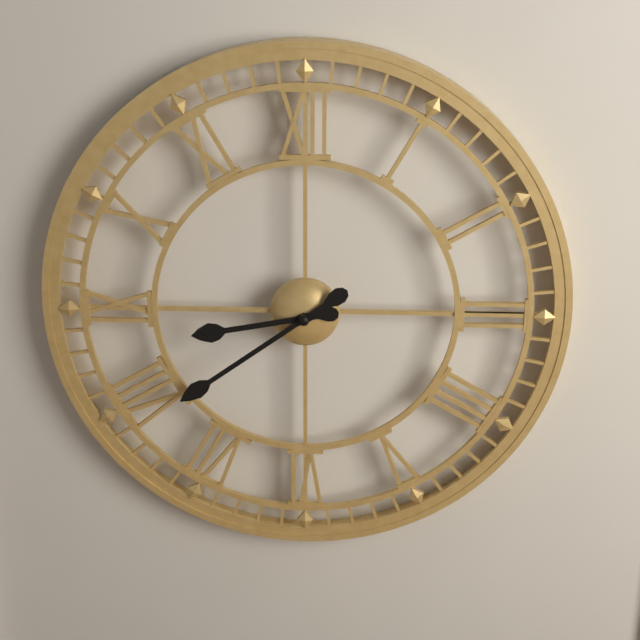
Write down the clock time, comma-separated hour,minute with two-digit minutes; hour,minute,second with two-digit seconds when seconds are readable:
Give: 8,39
